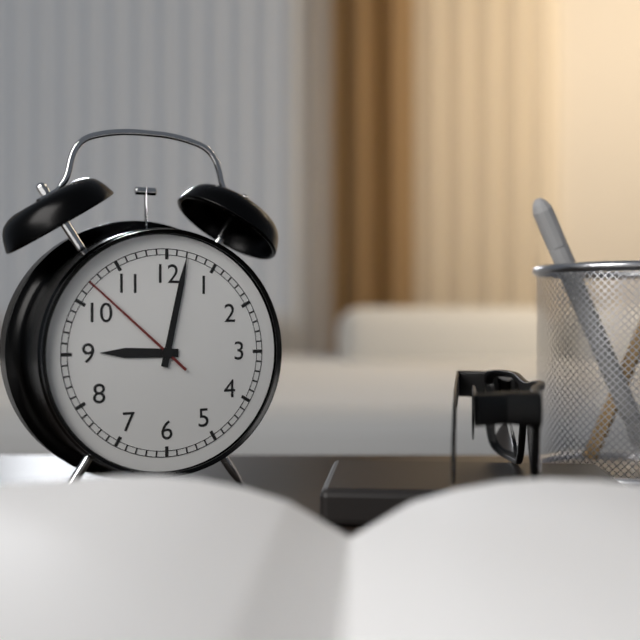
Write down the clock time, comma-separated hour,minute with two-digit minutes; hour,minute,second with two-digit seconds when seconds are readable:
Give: 9,02,52
